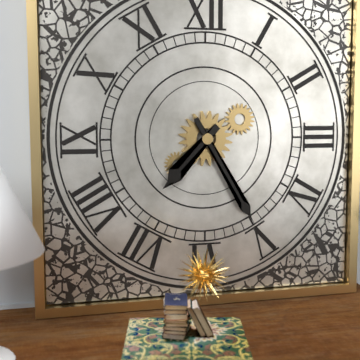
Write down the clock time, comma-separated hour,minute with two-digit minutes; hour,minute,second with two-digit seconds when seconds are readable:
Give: 7,25
